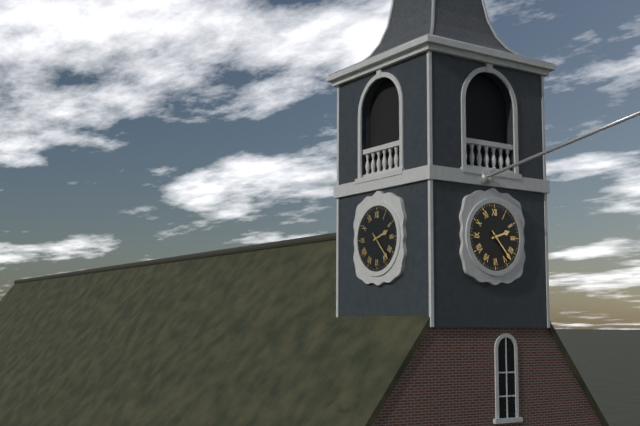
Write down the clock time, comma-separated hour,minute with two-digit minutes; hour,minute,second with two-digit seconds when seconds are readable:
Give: 2,23
